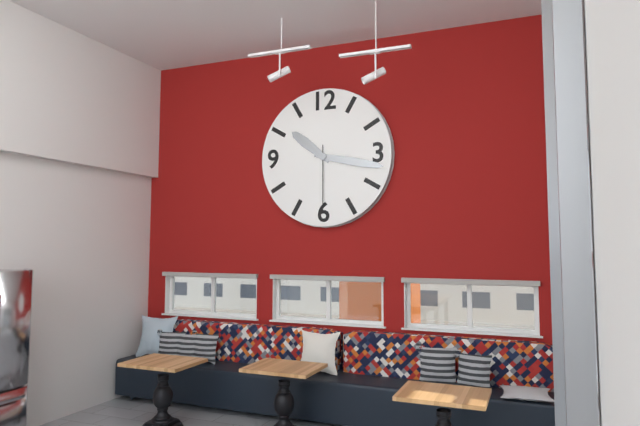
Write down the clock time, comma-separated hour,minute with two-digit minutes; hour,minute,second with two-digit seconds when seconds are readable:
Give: 10,17,30
